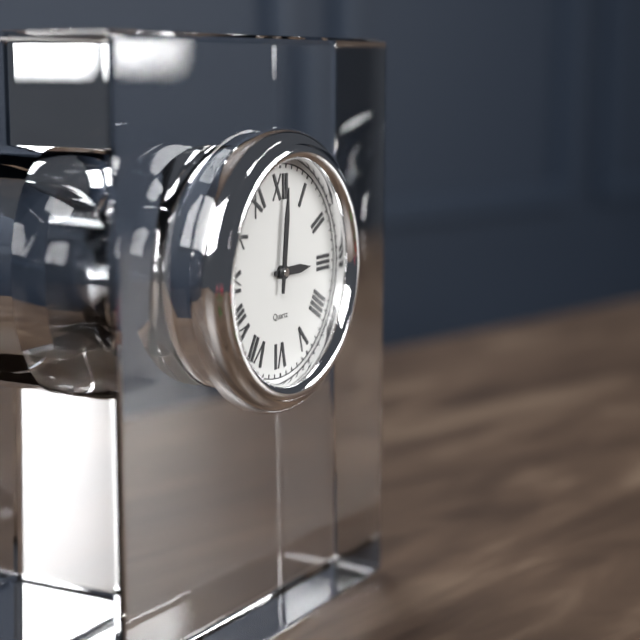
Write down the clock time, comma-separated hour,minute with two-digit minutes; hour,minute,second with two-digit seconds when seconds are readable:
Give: 3,01
